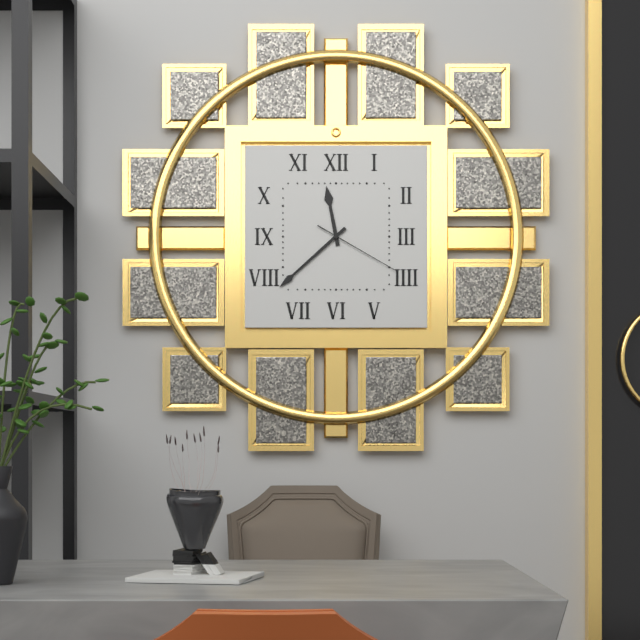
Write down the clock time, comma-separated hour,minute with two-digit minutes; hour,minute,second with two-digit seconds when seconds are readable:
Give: 11,38,20
